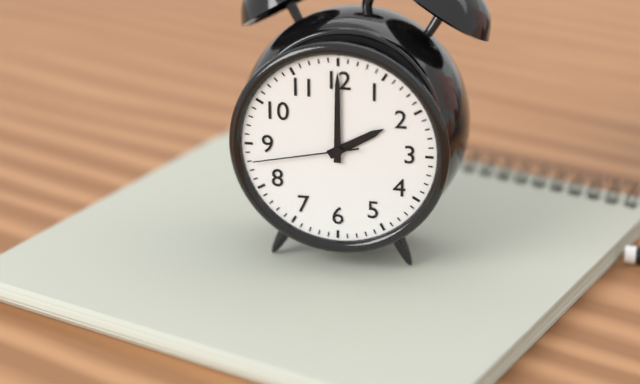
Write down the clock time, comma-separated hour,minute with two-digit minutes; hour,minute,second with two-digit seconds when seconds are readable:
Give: 2,00,43
